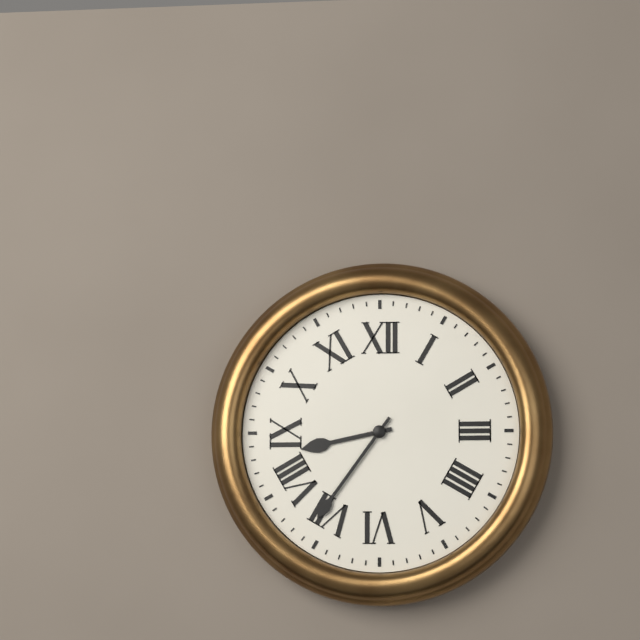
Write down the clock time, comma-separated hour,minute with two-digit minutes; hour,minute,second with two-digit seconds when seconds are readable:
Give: 8,36
